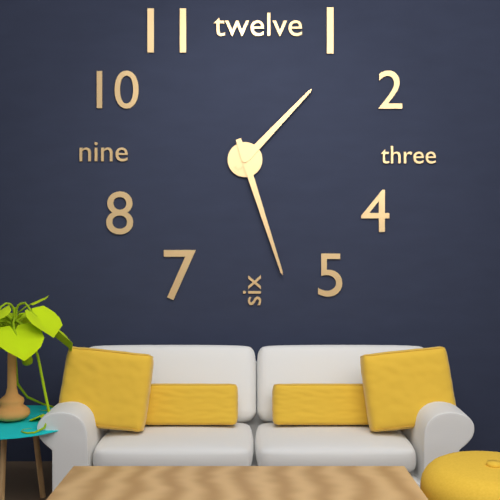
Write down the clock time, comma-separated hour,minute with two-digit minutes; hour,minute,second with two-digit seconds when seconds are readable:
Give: 1,27
